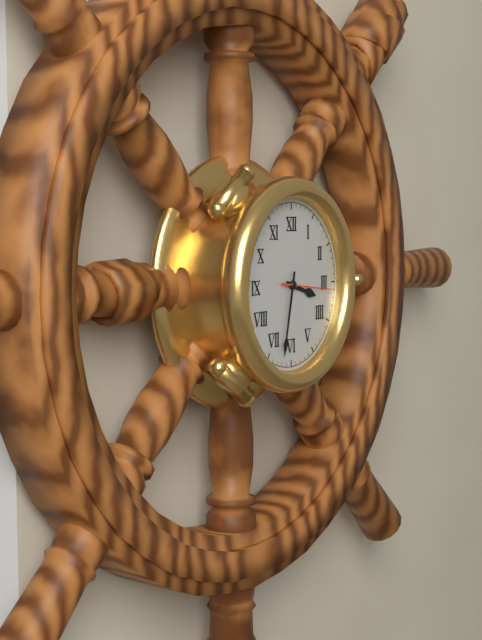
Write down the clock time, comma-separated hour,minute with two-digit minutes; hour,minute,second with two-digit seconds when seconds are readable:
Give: 3,32,16
